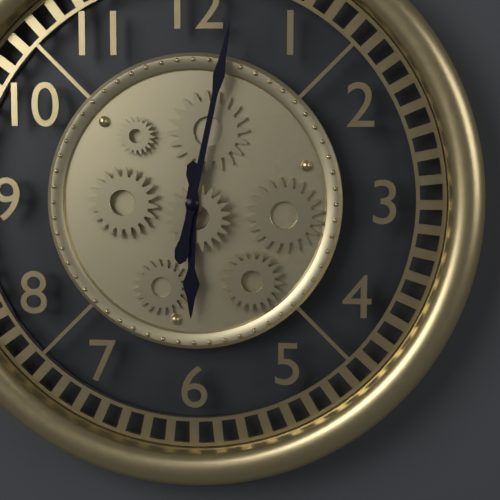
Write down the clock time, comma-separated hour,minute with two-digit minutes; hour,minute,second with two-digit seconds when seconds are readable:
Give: 6,02
